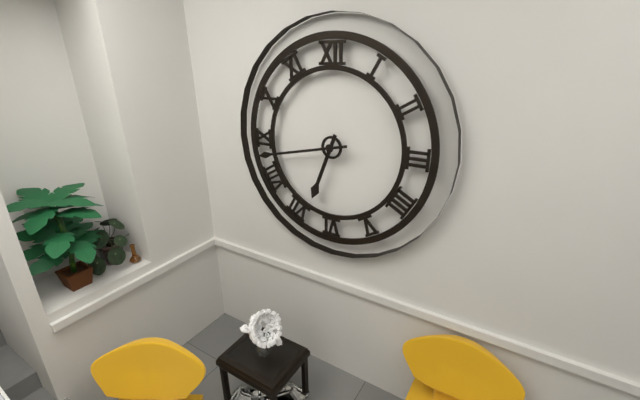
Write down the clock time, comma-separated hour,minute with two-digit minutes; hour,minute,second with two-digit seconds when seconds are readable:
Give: 6,43
